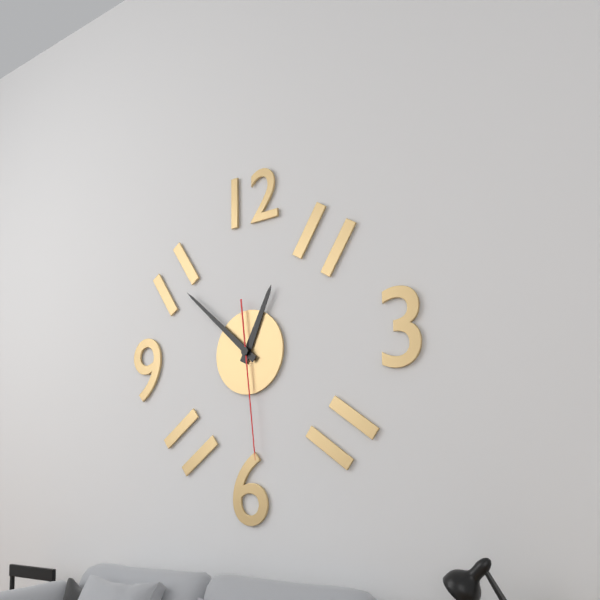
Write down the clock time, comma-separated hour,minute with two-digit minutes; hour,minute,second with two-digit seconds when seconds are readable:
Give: 12,52,29
